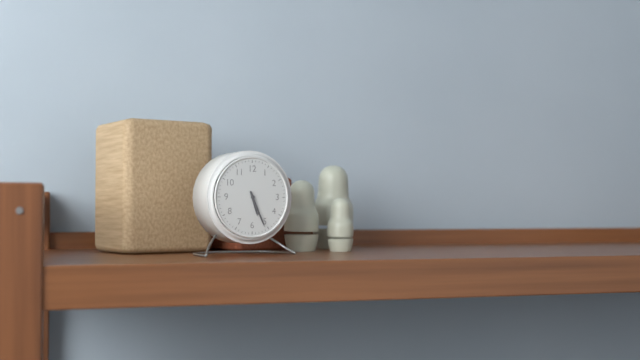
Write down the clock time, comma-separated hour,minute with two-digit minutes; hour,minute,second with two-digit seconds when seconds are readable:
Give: 5,26
